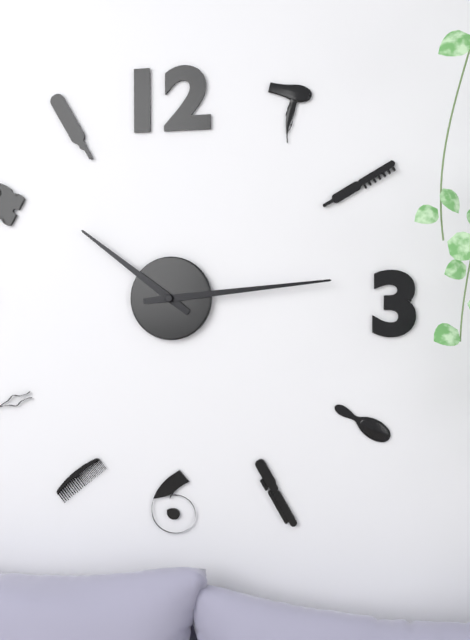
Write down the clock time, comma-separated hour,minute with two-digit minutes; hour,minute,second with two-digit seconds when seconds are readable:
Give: 10,14
